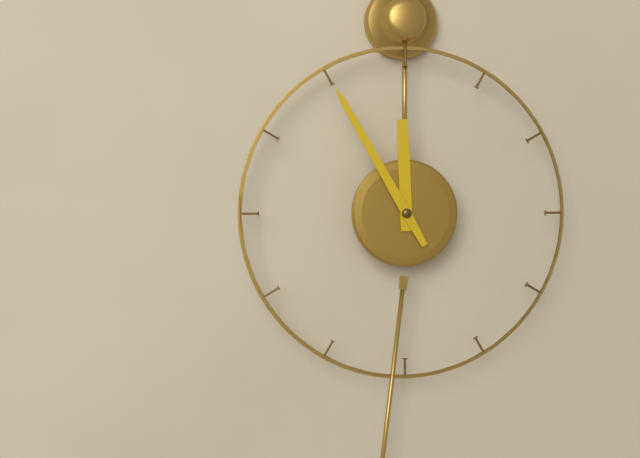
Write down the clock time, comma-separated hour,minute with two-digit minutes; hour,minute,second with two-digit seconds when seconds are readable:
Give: 11,55
